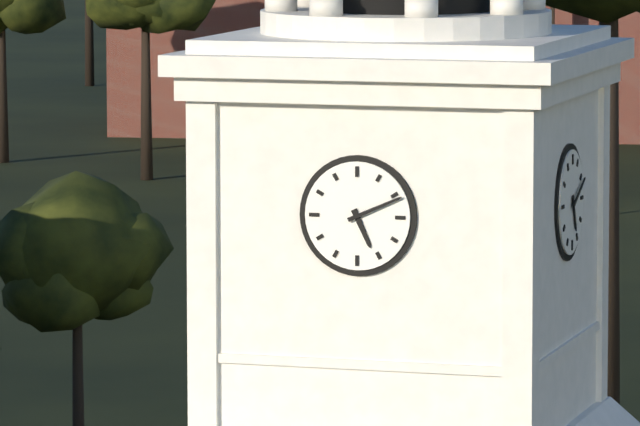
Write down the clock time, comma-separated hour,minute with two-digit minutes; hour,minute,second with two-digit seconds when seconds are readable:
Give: 5,11
